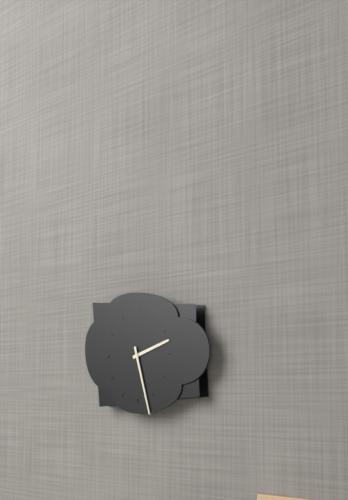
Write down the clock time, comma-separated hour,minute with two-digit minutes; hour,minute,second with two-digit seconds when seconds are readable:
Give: 2,27
